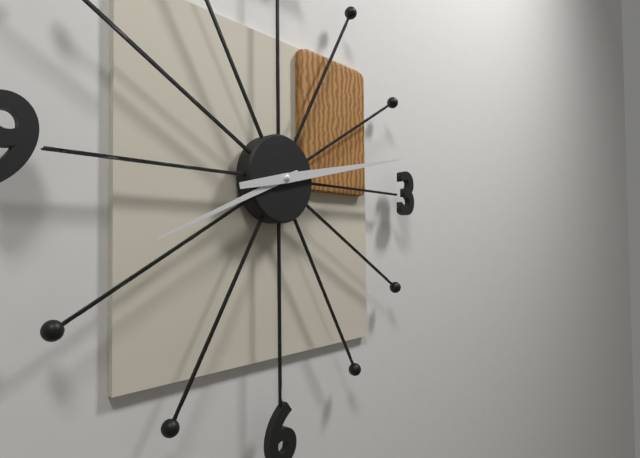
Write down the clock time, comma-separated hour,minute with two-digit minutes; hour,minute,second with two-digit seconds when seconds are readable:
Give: 8,13
